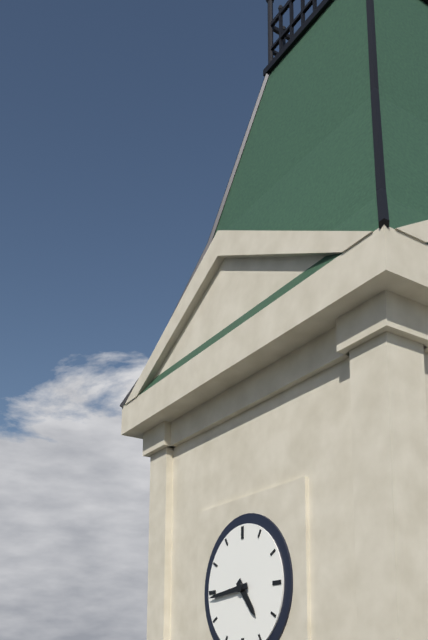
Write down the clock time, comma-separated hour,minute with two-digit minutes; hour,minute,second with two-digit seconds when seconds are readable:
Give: 4,44
